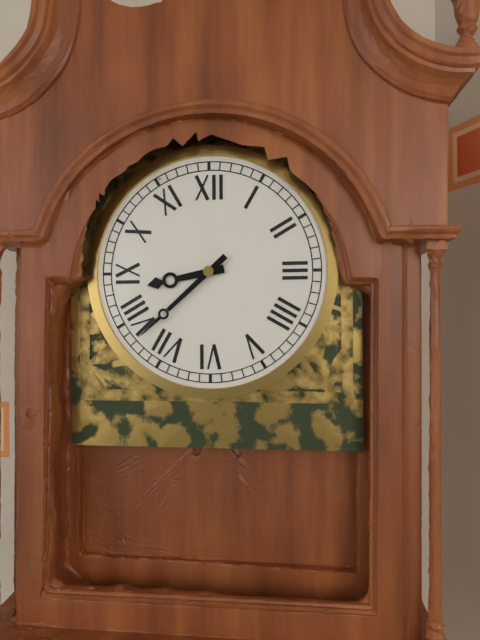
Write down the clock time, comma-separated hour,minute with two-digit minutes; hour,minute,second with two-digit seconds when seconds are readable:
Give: 8,38
